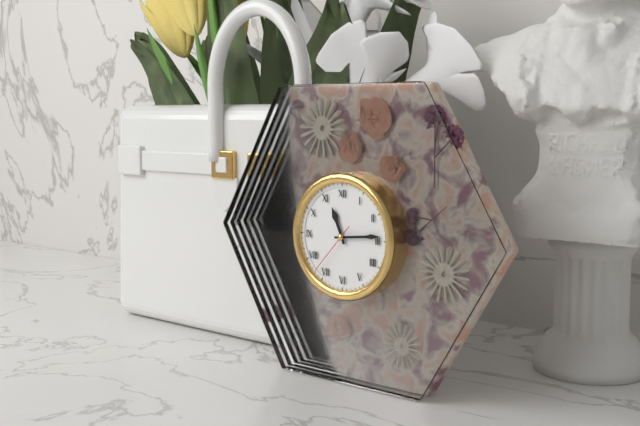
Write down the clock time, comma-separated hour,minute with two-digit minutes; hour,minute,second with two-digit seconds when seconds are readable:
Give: 11,14,37
